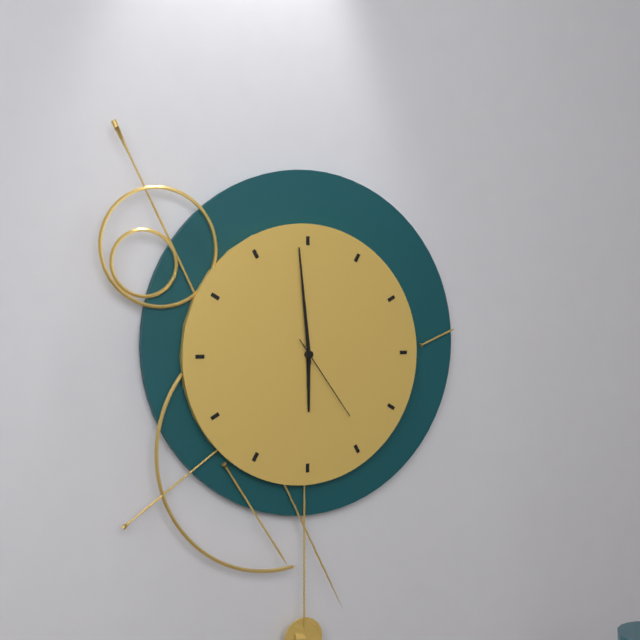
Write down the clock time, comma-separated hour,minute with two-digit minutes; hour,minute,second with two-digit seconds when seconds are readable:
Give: 5,59,24
